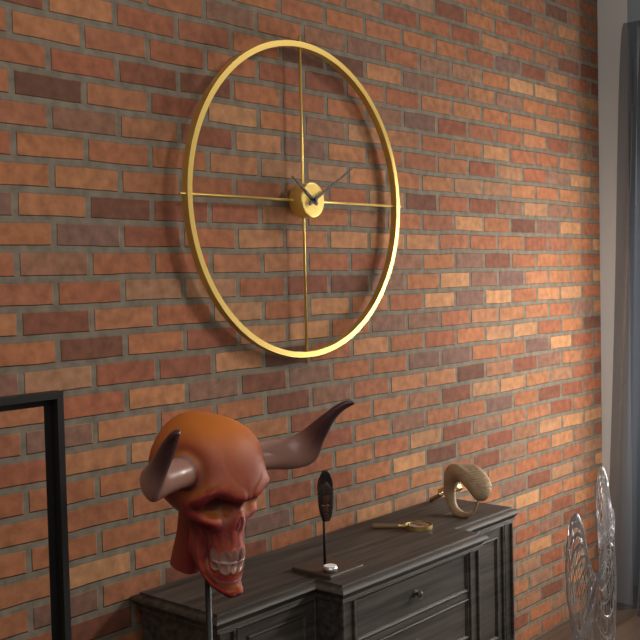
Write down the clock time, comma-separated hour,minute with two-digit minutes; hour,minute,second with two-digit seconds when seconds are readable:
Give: 10,10
